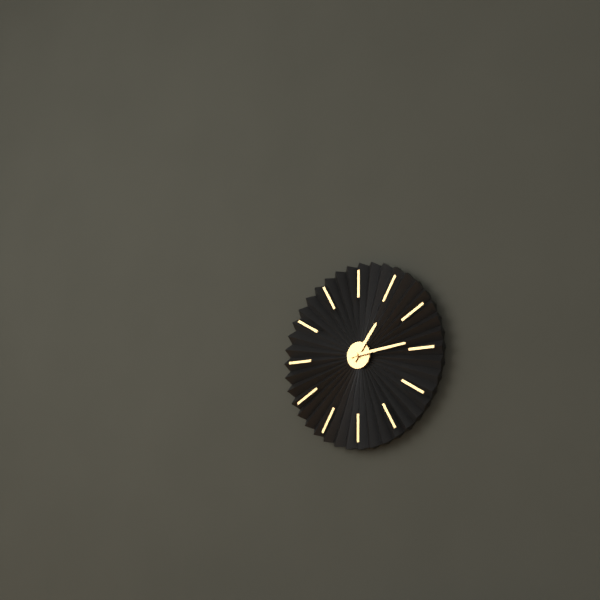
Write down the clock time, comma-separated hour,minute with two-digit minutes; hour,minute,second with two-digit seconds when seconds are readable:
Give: 1,14
